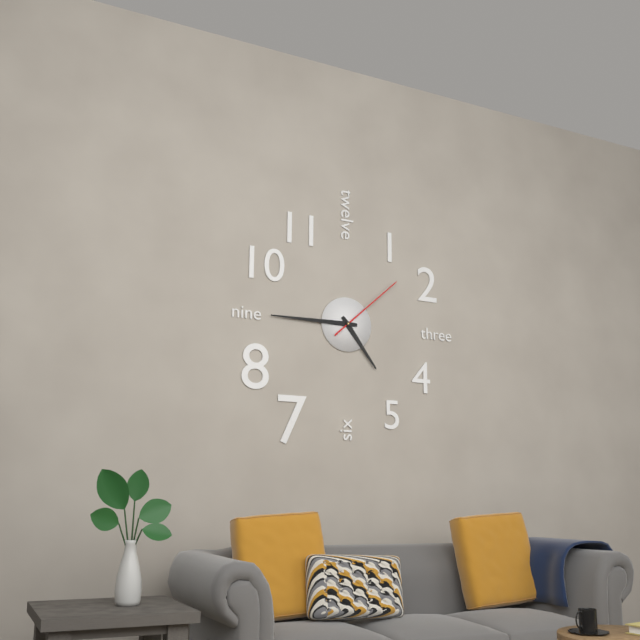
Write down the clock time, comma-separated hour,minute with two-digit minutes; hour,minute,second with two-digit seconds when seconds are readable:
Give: 4,45,08
